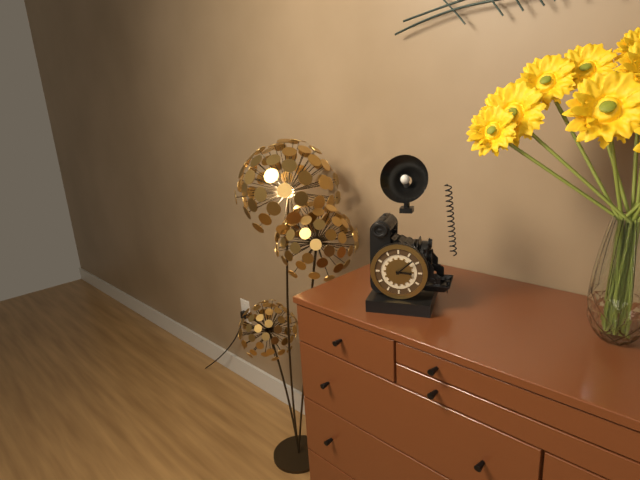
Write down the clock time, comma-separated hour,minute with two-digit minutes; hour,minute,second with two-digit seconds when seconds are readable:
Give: 3,08
